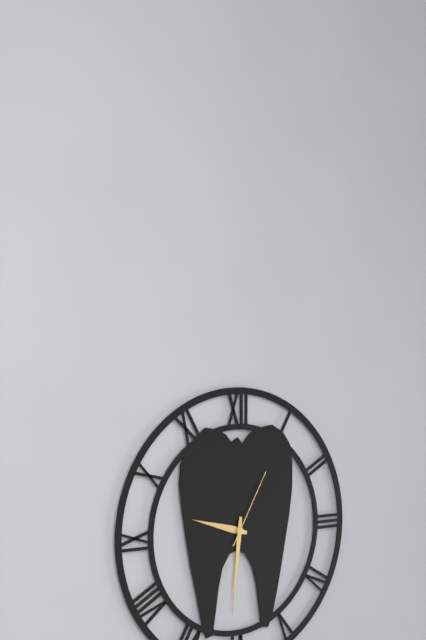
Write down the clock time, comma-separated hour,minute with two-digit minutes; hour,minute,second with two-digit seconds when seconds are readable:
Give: 9,31,05
